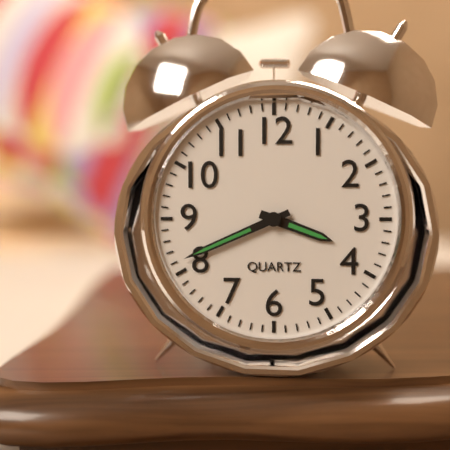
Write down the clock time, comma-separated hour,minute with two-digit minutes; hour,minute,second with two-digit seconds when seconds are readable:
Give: 3,41
